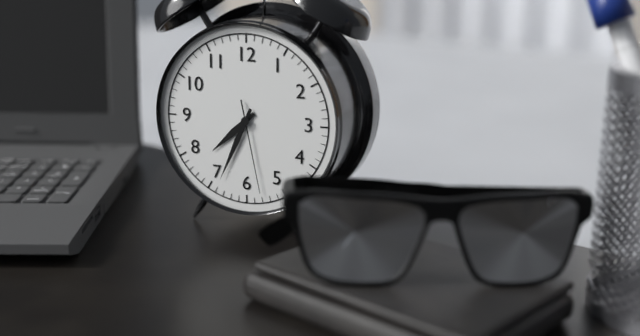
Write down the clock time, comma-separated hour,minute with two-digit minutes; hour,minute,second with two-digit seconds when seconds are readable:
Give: 7,34,28
